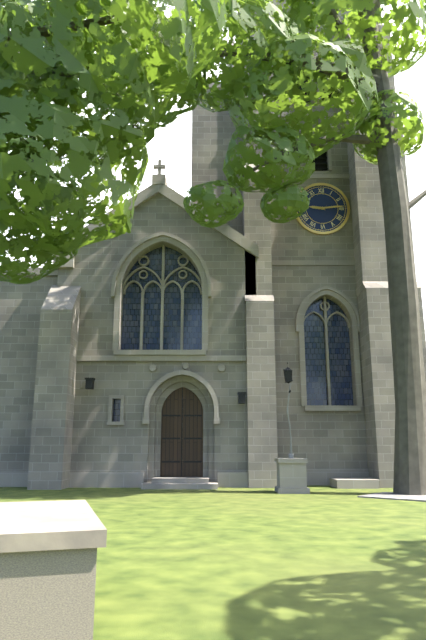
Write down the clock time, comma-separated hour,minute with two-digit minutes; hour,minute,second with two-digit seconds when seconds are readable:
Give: 9,14
